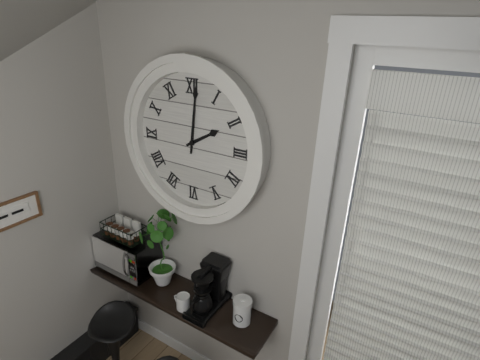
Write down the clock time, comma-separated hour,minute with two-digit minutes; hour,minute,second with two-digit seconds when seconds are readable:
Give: 2,01
